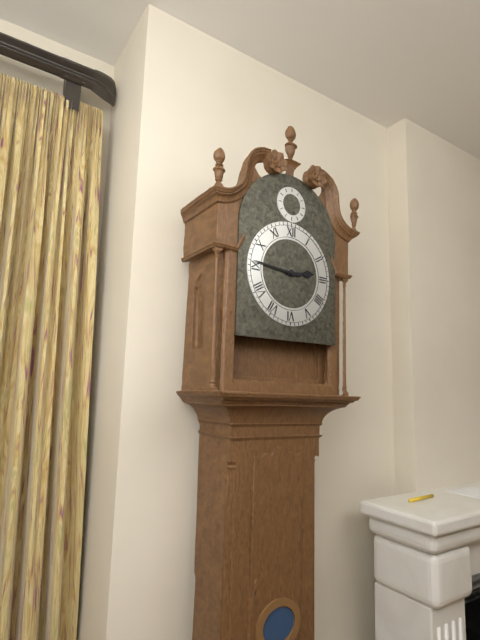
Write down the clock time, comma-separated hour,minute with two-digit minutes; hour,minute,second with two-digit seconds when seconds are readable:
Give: 2,46
